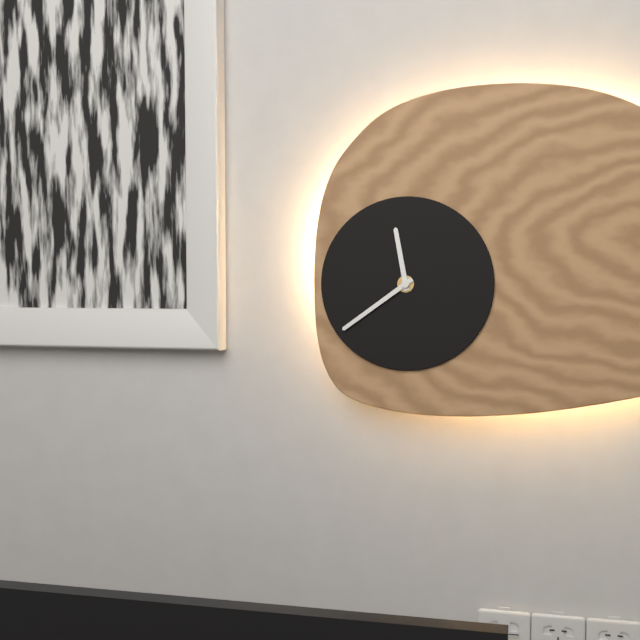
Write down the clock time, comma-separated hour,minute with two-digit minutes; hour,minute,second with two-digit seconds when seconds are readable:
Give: 11,39
